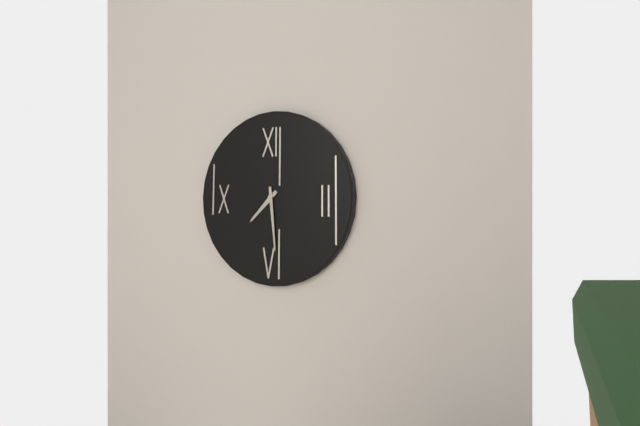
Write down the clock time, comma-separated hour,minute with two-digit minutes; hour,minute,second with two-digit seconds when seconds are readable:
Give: 7,29
